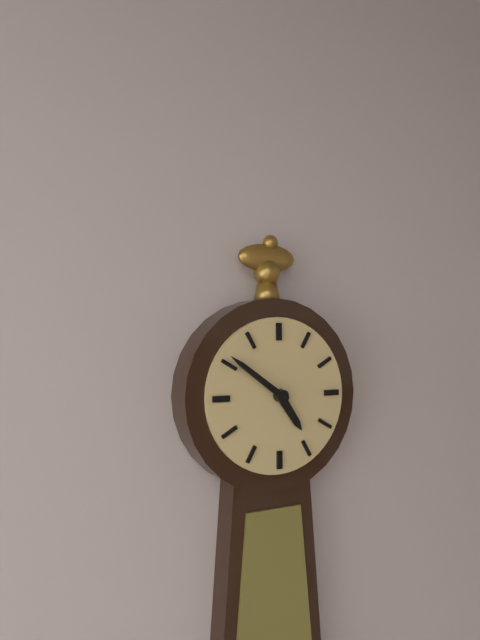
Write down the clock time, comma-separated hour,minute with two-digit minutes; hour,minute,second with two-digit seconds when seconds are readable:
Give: 4,51
